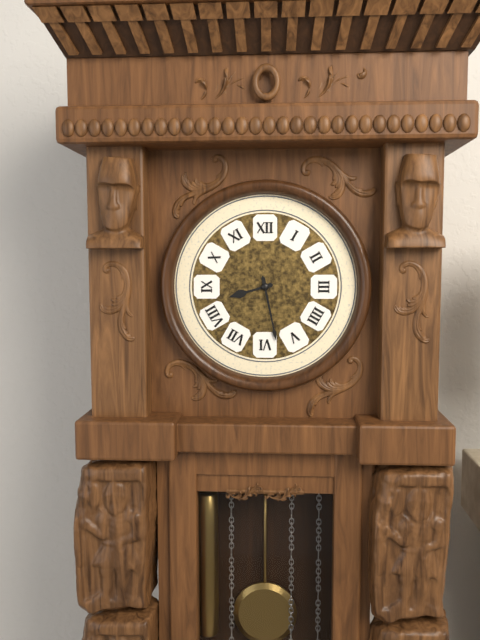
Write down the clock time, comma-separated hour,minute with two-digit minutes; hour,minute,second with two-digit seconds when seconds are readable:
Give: 8,28
